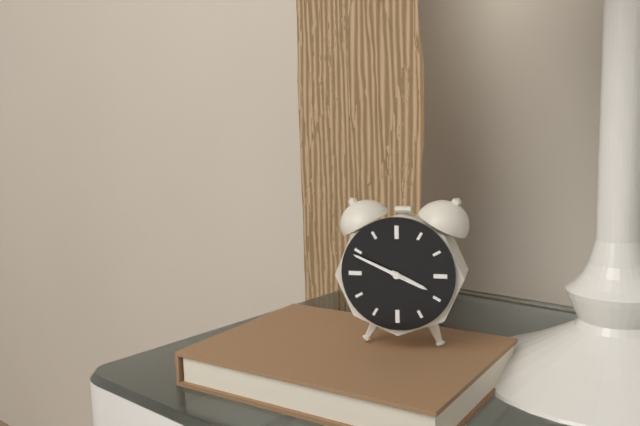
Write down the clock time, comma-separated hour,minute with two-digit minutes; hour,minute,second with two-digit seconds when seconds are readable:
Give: 3,49
